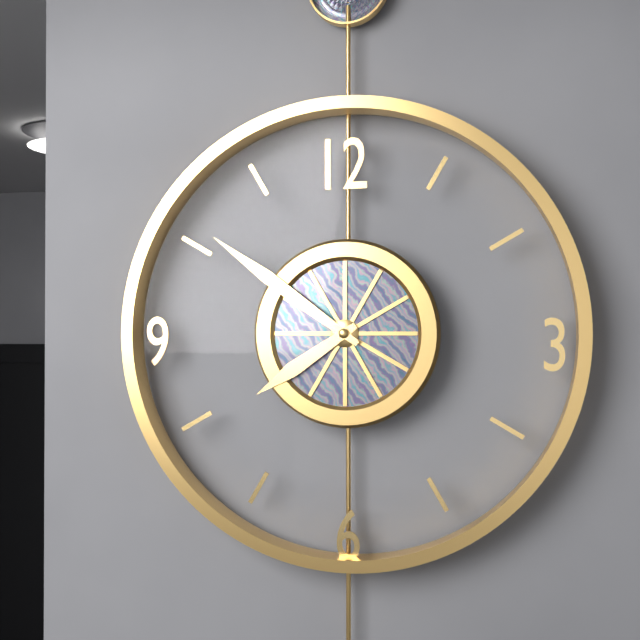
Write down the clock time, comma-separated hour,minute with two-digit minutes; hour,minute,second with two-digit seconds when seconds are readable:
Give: 7,51
